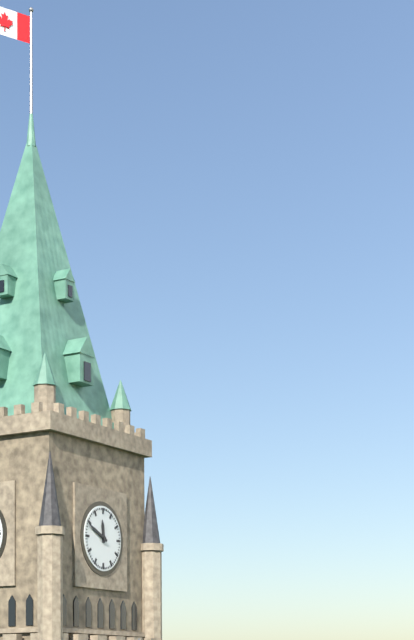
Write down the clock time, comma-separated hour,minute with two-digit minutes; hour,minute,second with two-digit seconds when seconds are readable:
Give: 11,49
